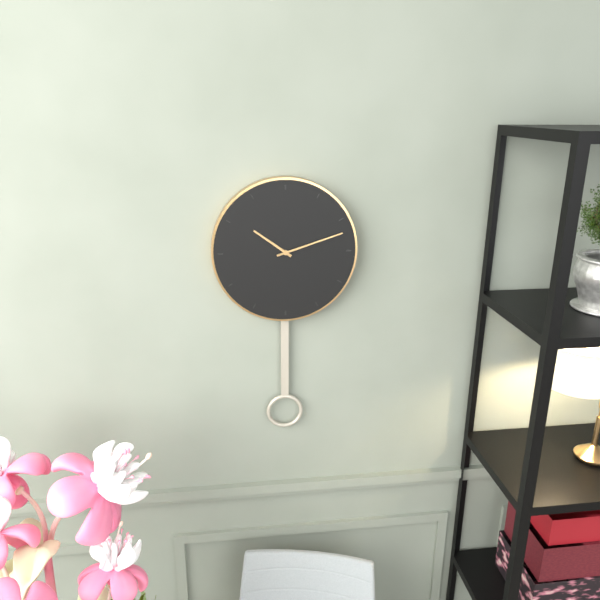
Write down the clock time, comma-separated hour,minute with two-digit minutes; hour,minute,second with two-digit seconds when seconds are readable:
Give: 10,12
